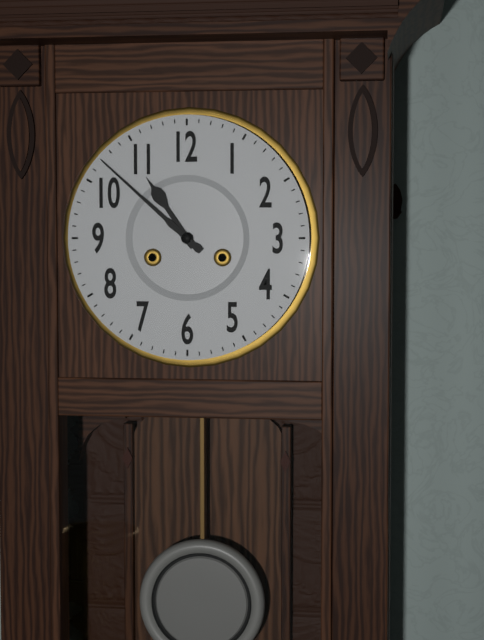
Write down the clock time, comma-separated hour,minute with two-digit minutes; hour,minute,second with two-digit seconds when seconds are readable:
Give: 10,52
